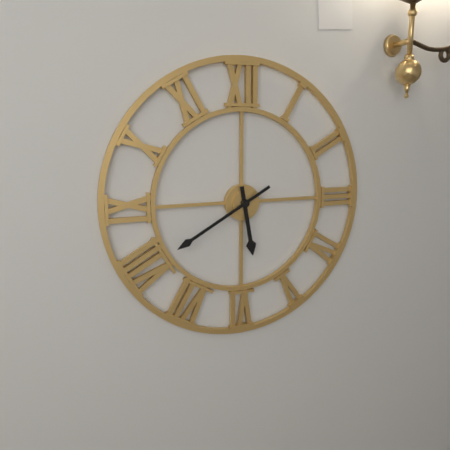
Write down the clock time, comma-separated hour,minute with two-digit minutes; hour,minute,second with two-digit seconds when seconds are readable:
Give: 5,40
